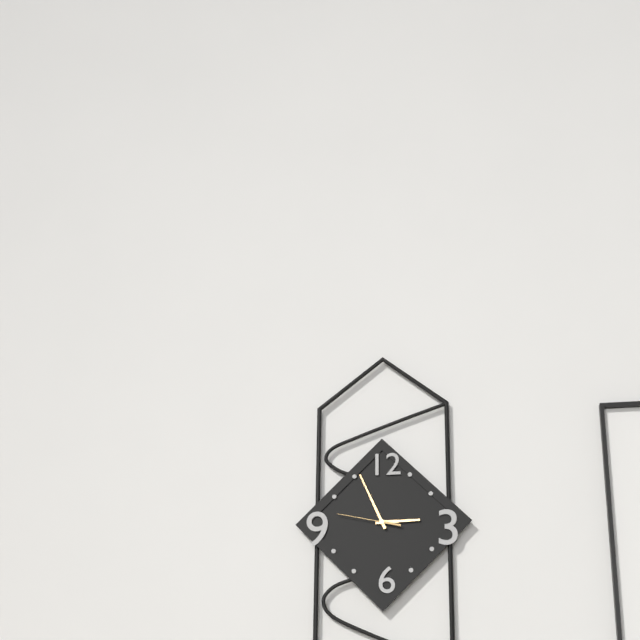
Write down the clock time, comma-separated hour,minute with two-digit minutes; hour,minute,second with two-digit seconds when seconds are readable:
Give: 2,56,47
